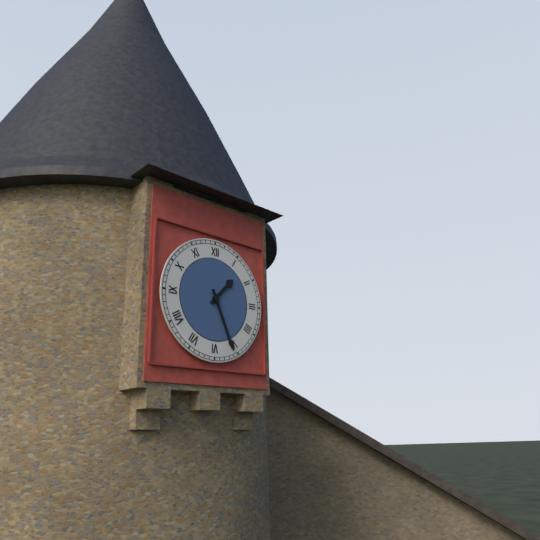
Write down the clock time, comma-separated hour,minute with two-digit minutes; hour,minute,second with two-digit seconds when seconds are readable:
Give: 1,26
